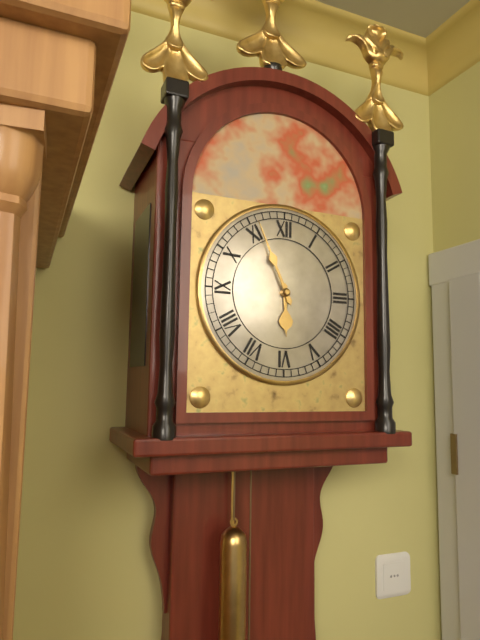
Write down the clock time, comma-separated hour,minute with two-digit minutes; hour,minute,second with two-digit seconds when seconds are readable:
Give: 5,56
